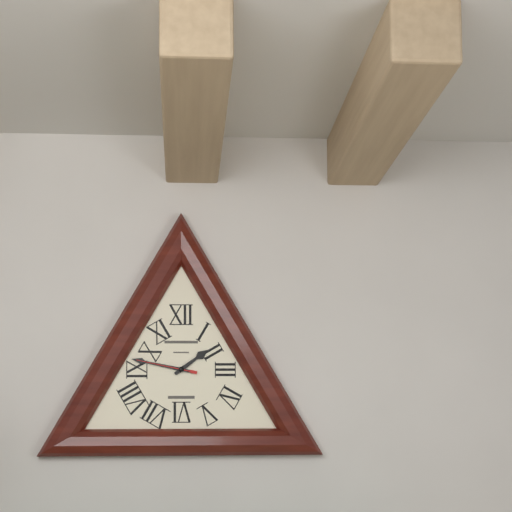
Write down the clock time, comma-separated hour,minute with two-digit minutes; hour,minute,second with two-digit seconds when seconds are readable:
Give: 1,47,47
